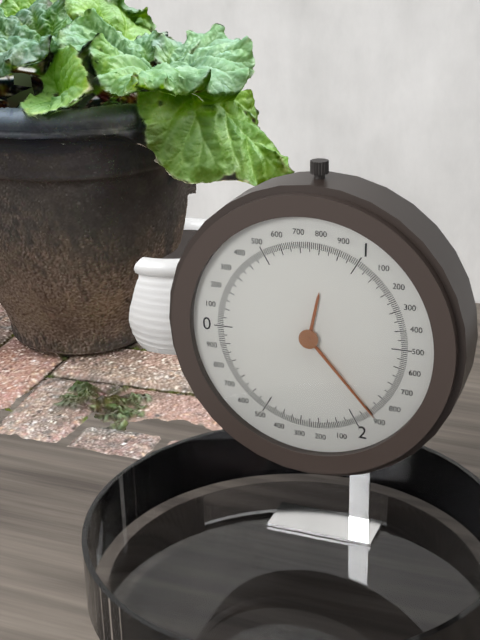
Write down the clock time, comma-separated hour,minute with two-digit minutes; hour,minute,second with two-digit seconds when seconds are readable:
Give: 12,23
